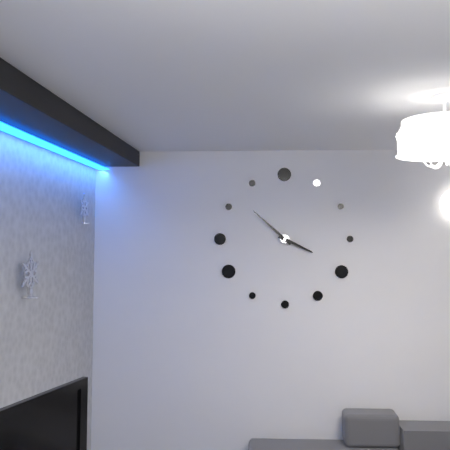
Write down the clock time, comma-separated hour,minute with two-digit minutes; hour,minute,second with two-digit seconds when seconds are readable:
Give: 3,52
